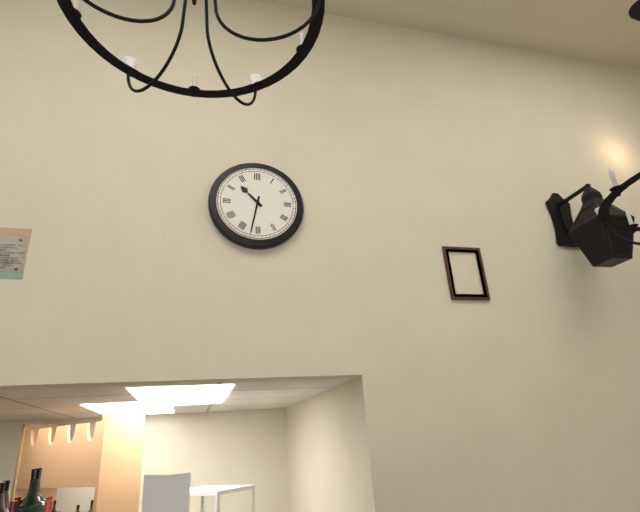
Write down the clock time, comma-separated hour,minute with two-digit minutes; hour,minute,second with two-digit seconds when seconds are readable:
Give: 10,32
